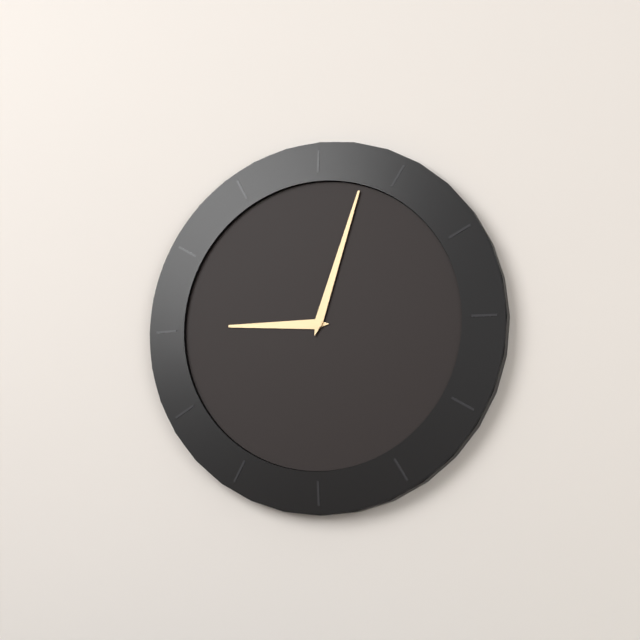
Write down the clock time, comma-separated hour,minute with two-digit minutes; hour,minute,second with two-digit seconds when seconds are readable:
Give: 9,03
